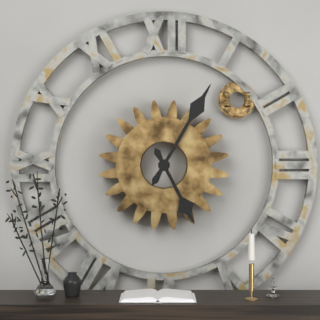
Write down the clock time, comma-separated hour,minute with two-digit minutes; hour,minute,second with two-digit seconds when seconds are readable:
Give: 5,05
